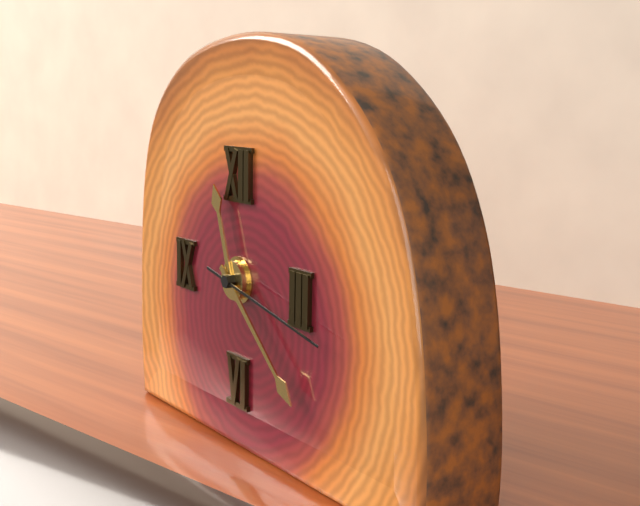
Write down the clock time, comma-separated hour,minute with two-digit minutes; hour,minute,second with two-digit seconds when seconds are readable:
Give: 11,22,17
